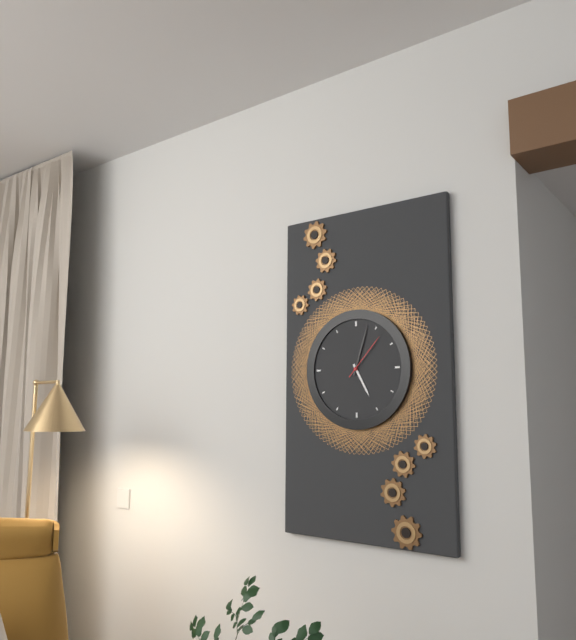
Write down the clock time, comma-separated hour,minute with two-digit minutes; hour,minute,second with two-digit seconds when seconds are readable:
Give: 5,03
